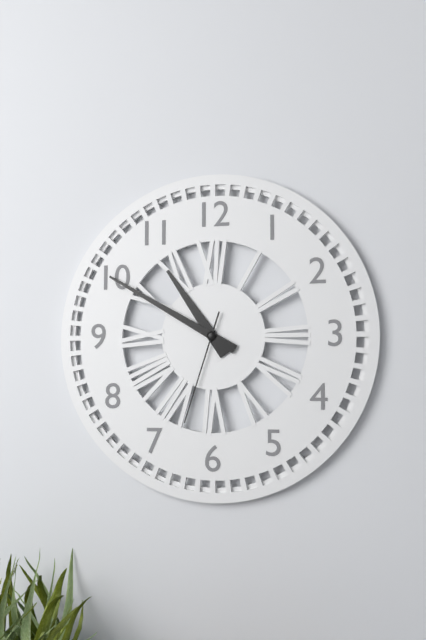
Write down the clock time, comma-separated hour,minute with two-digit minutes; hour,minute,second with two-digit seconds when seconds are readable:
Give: 10,50,33
